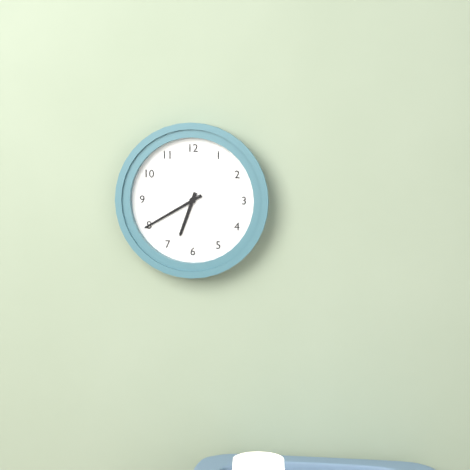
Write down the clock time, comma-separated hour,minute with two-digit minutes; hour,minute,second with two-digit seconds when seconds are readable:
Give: 6,40
